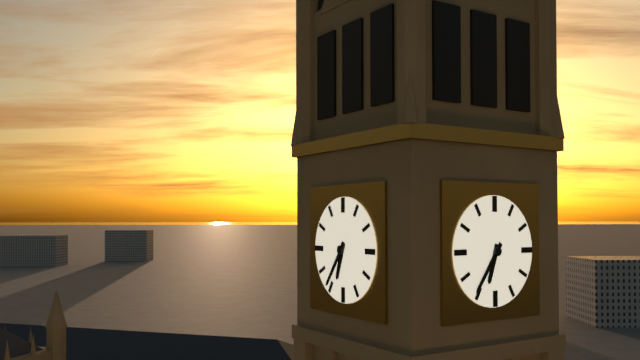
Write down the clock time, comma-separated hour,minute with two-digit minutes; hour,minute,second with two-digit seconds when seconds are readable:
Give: 6,36
